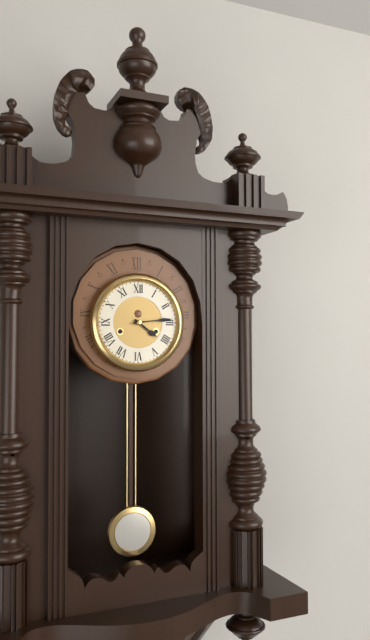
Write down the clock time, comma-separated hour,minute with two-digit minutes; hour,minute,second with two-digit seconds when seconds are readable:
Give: 4,14
